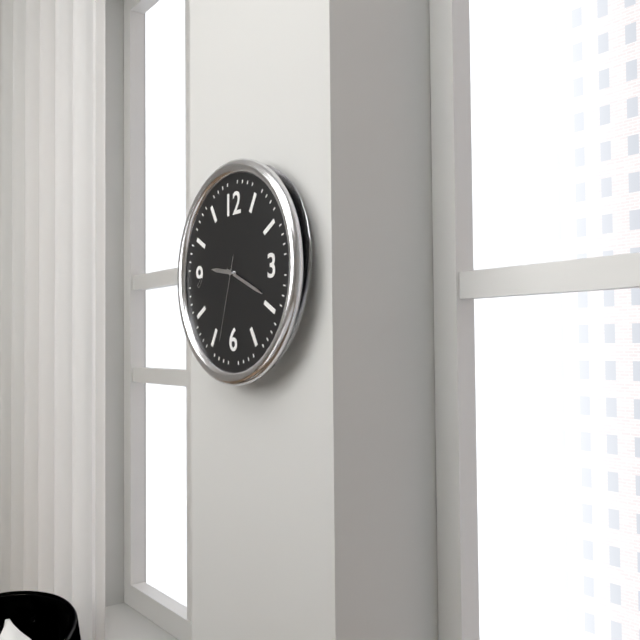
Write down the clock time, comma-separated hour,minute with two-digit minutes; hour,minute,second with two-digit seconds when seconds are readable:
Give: 9,19,33
